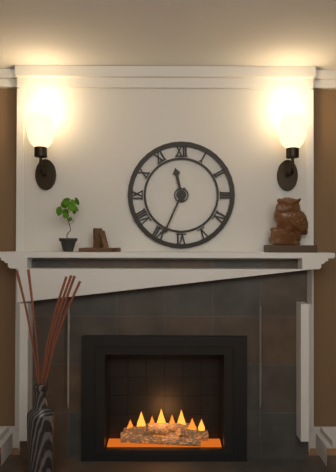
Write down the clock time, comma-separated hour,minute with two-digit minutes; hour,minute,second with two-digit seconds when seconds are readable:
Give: 11,34
